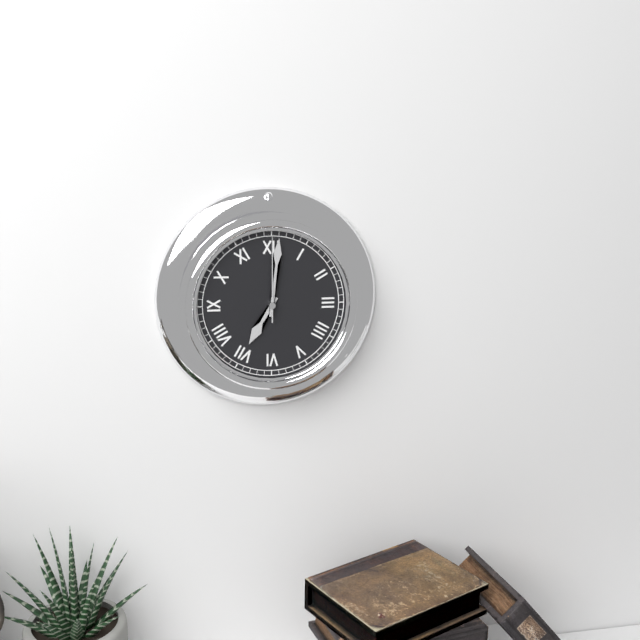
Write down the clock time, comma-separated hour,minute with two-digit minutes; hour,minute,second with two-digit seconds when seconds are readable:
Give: 7,01,00
